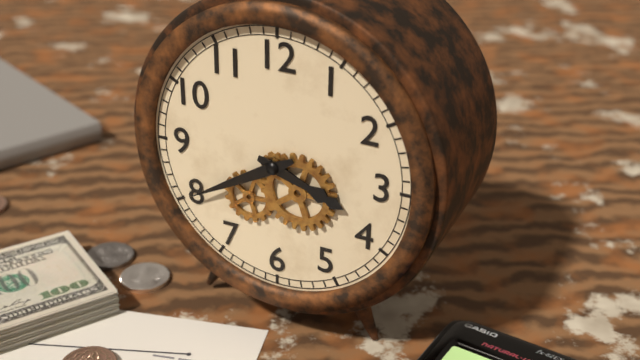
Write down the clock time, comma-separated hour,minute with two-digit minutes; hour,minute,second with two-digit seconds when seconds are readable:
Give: 3,40
